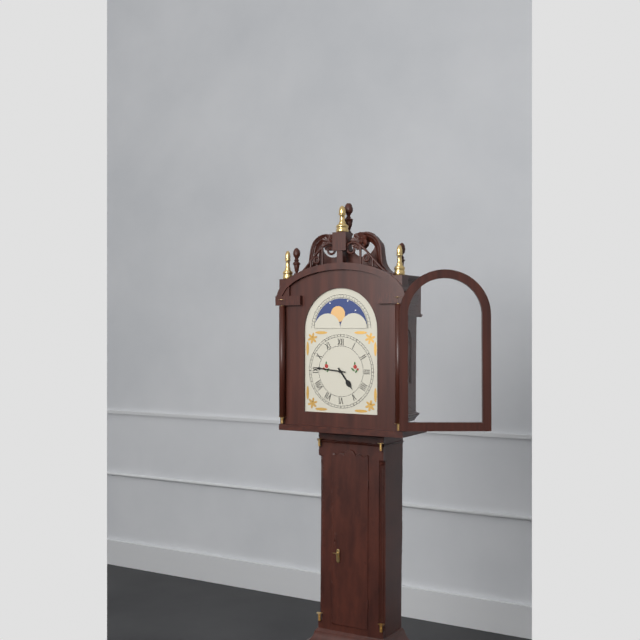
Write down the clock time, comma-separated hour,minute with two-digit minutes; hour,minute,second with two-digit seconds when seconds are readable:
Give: 4,46
